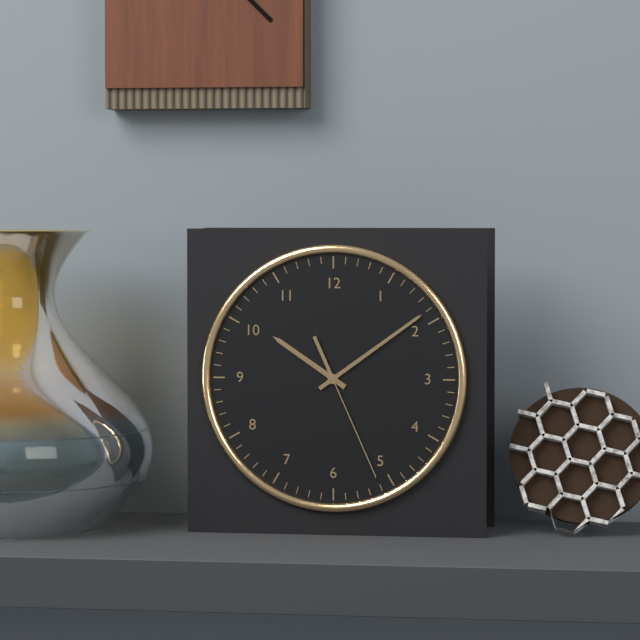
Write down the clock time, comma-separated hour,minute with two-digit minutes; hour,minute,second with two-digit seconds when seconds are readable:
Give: 10,09,26
